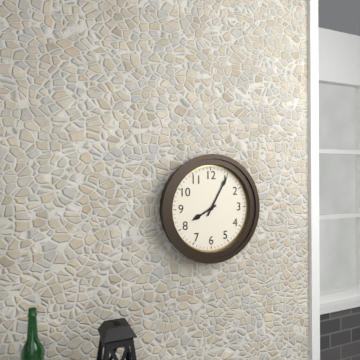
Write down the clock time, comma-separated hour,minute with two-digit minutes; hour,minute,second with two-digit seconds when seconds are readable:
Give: 8,05
